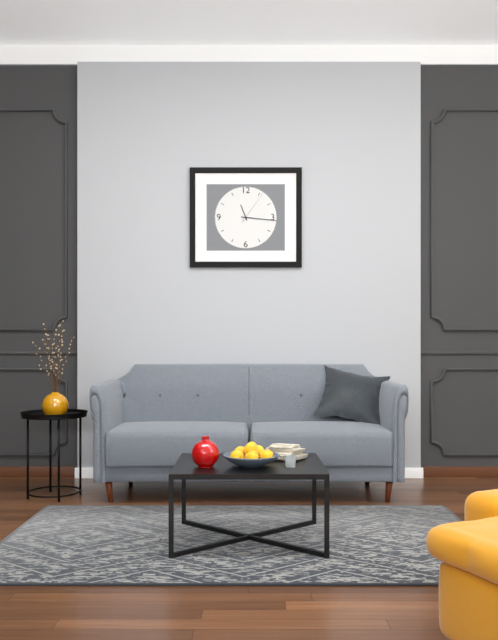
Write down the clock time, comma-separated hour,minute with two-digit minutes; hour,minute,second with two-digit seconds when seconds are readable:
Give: 11,16
